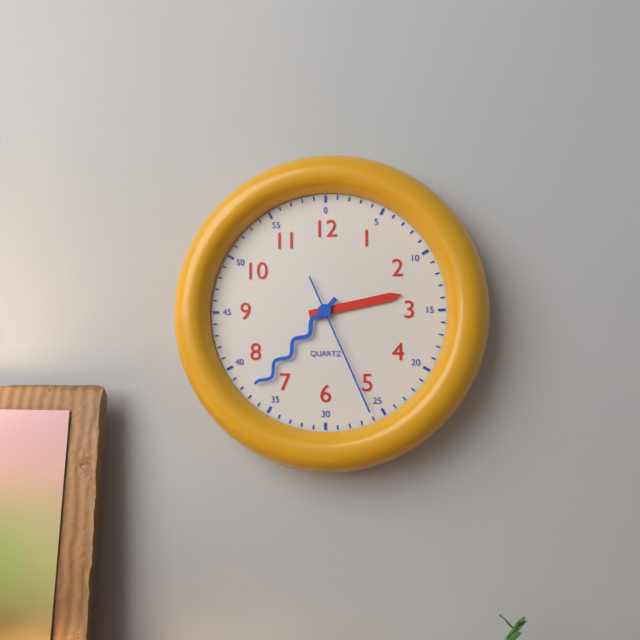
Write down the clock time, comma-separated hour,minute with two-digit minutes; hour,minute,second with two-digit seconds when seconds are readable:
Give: 2,37,26
